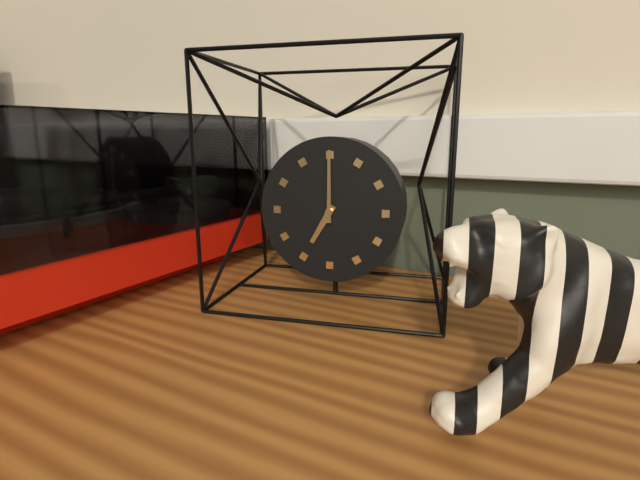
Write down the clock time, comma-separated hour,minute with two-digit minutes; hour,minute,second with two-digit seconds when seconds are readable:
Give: 7,00
